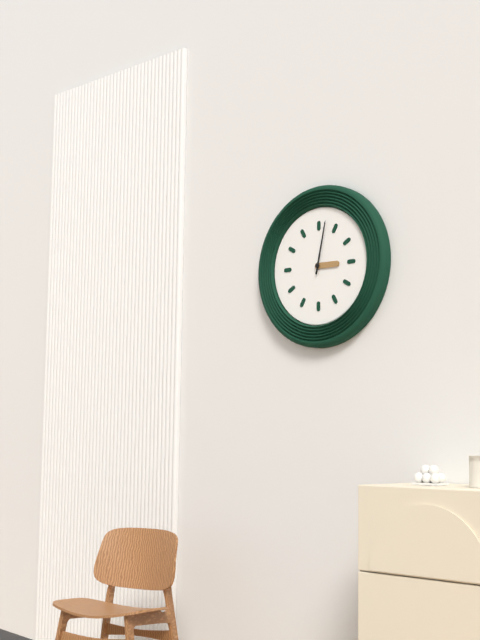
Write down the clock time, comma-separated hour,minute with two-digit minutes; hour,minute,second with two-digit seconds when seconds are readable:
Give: 3,02
